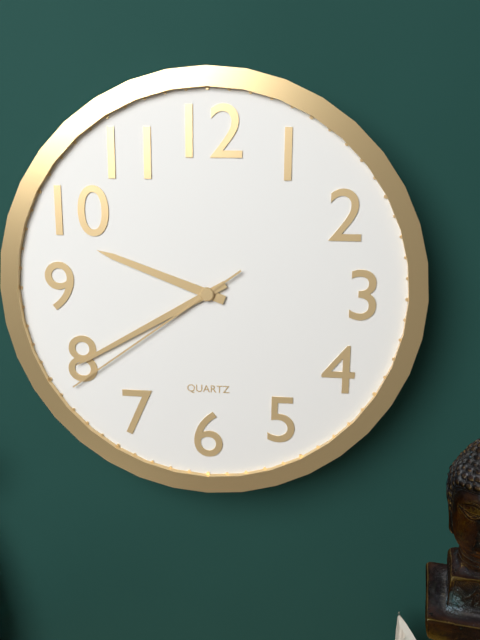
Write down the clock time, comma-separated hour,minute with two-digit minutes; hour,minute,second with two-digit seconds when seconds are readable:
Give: 9,40,39
